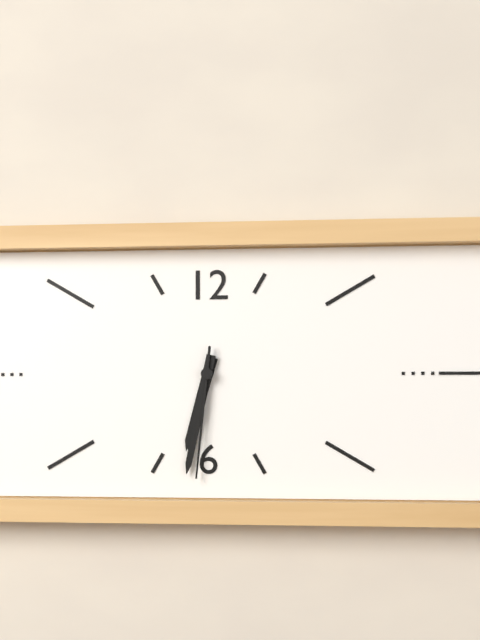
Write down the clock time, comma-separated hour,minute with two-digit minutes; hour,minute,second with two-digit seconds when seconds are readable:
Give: 6,32,31
